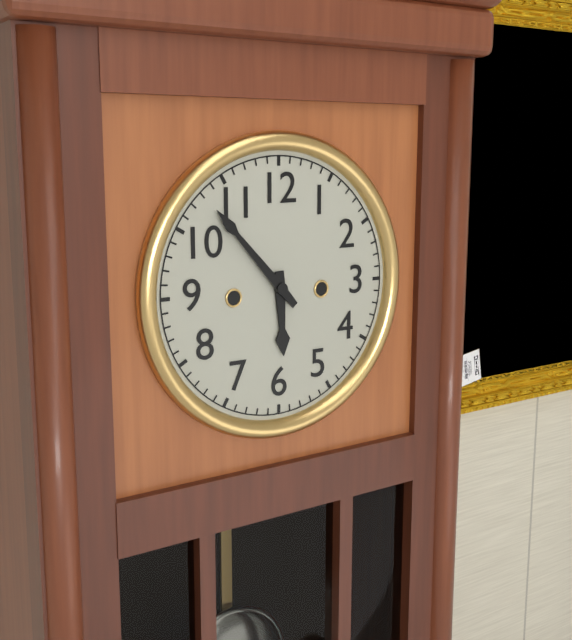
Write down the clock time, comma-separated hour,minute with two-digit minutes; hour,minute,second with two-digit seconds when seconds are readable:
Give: 5,53
